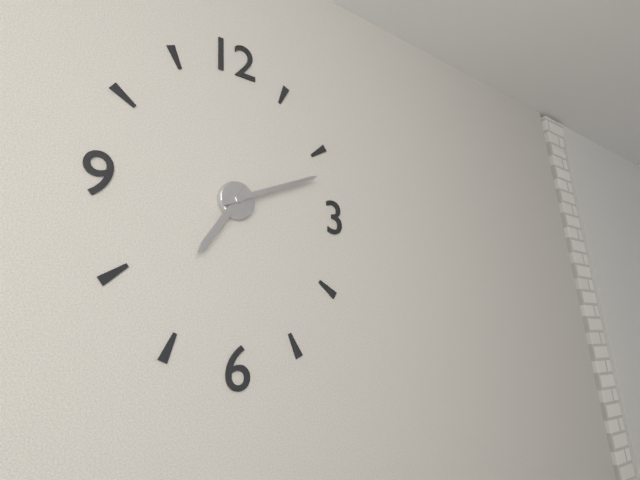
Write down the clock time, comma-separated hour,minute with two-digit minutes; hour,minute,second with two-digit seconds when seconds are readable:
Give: 7,11
